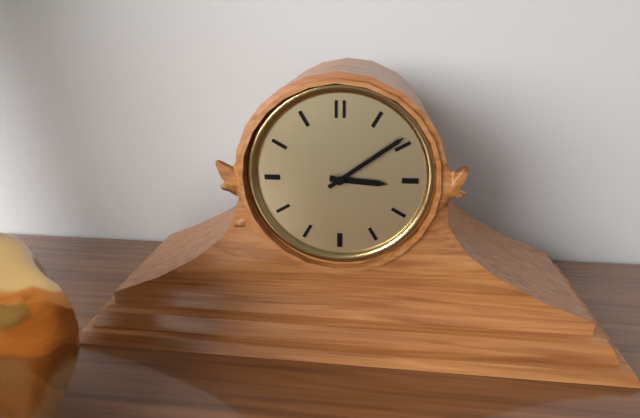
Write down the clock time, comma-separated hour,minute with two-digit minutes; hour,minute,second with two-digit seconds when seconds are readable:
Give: 3,09
